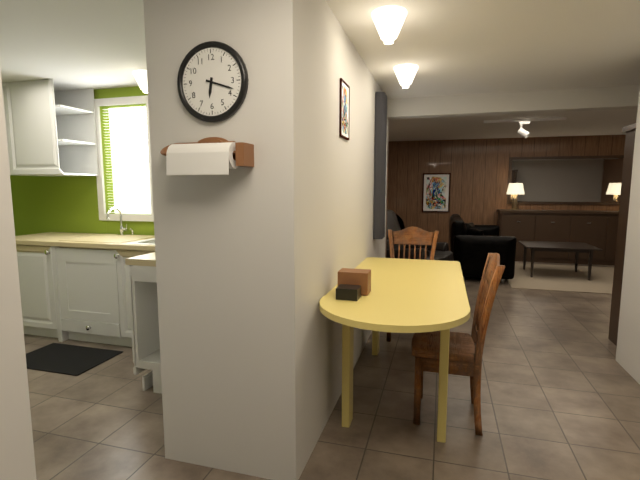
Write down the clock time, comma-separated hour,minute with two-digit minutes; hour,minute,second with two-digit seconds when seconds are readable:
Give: 6,18
